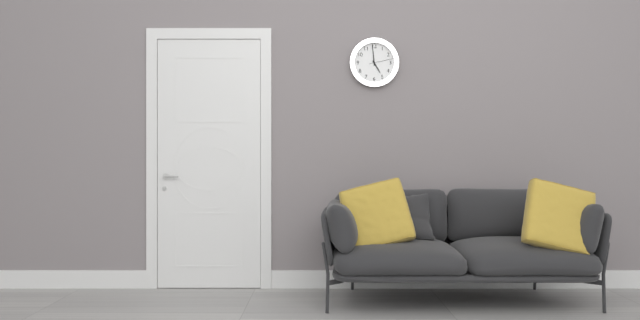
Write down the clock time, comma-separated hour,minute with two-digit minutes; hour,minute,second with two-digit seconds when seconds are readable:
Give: 4,59
